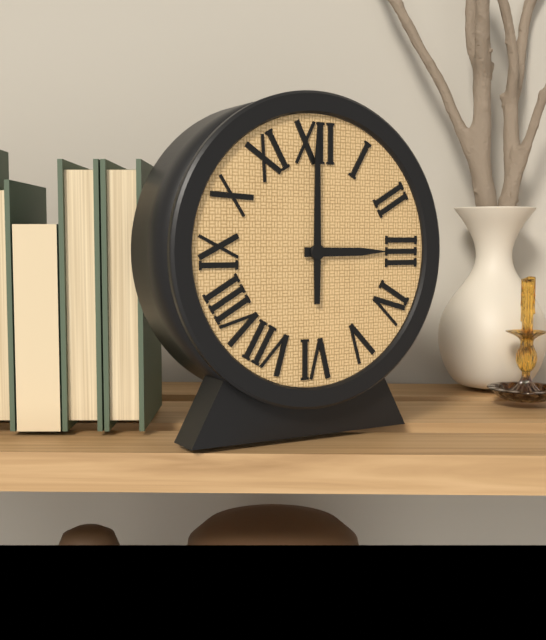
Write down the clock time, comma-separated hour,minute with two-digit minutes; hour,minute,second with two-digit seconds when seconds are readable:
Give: 3,00
